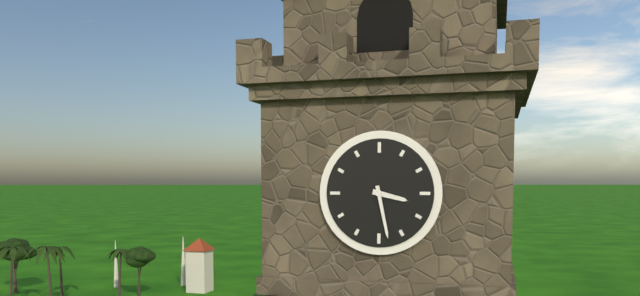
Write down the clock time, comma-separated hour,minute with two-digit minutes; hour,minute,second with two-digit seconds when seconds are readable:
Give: 3,28
